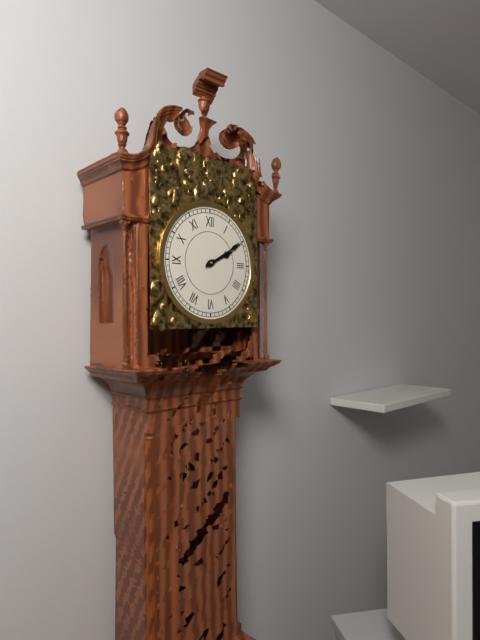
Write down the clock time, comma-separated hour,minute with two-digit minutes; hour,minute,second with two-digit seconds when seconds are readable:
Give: 2,10
